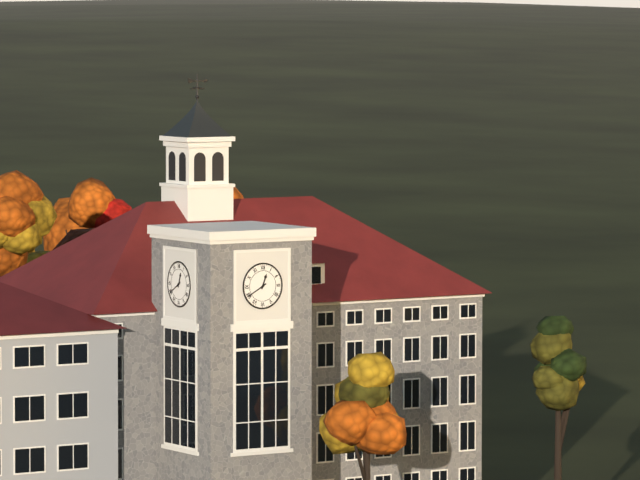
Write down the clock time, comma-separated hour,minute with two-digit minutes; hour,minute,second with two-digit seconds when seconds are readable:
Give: 12,40
